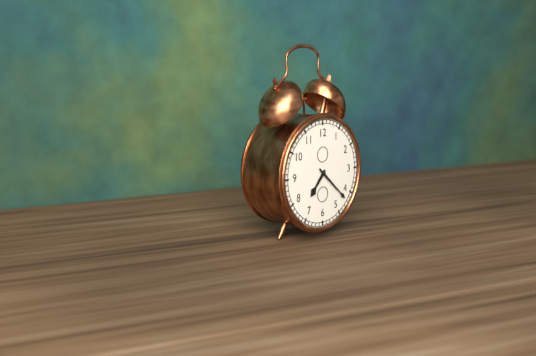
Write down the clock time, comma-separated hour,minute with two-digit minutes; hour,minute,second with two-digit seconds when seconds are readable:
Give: 7,22
